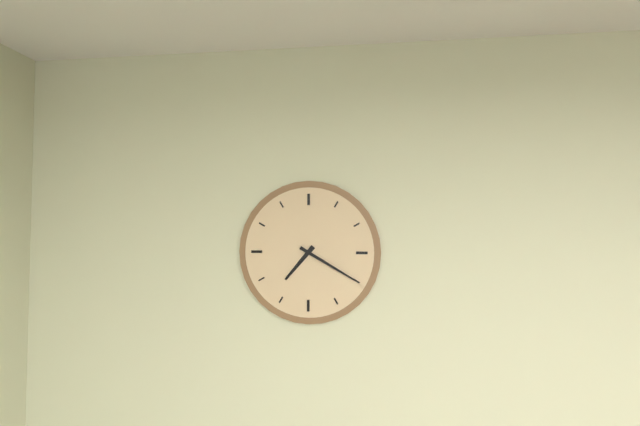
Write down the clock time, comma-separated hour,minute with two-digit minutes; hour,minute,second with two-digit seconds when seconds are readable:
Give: 7,20
